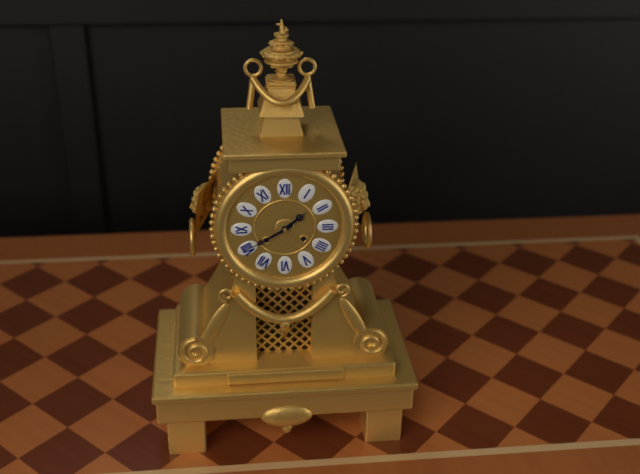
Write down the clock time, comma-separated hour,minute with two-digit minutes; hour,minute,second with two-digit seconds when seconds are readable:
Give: 1,40
